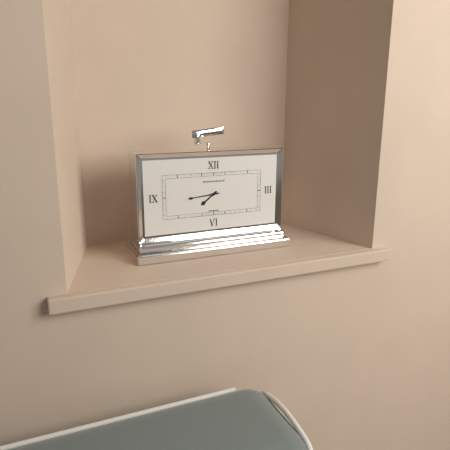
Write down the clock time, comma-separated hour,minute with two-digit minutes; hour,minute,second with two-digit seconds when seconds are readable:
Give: 7,44
